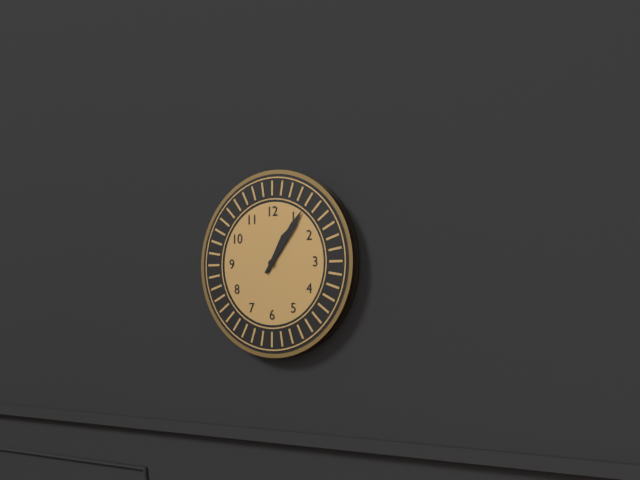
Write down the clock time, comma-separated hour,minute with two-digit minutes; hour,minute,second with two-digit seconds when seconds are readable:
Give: 1,06
